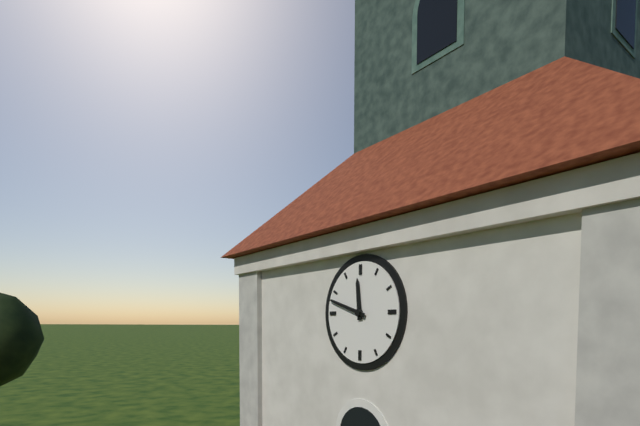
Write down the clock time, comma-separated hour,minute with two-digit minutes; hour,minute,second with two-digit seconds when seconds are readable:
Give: 11,48
